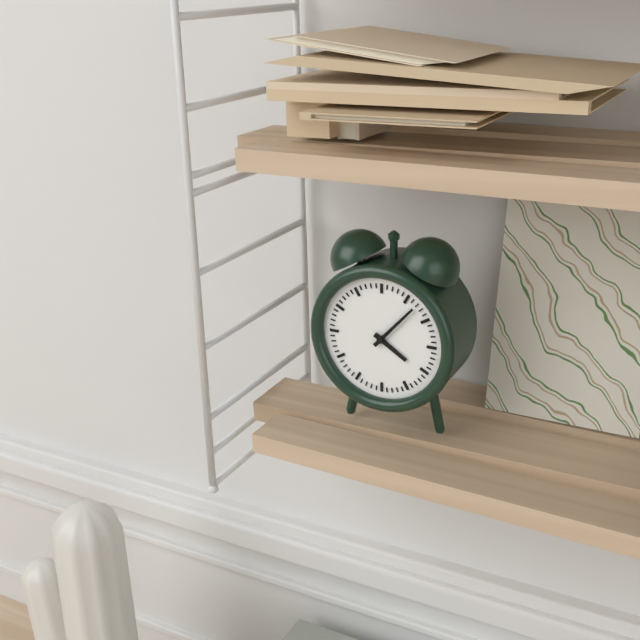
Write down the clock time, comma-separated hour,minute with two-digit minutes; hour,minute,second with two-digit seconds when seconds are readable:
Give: 4,07
